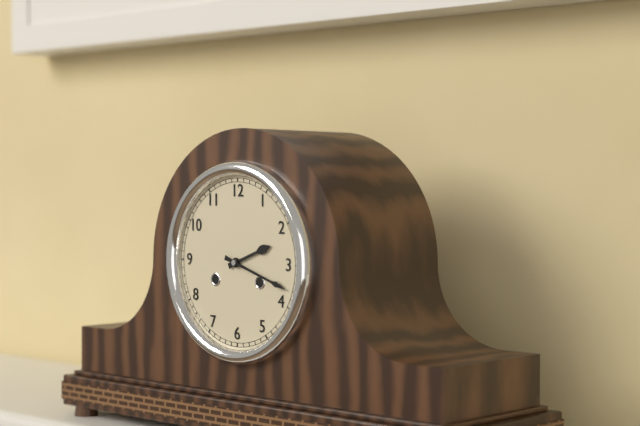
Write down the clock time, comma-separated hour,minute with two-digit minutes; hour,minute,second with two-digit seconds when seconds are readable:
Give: 2,18
